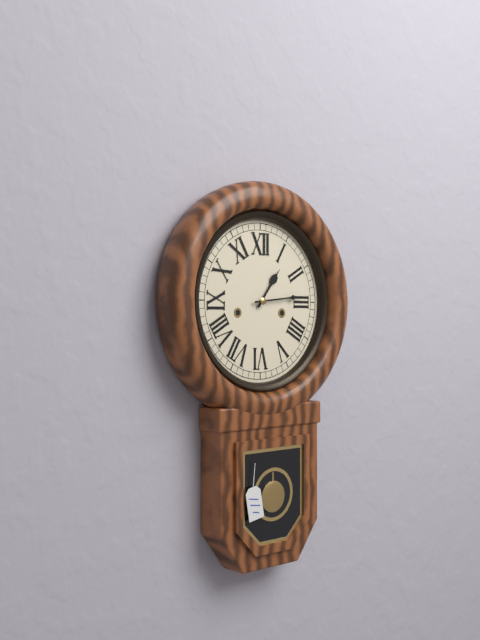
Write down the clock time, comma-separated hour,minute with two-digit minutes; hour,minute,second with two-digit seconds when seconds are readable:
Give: 1,14
